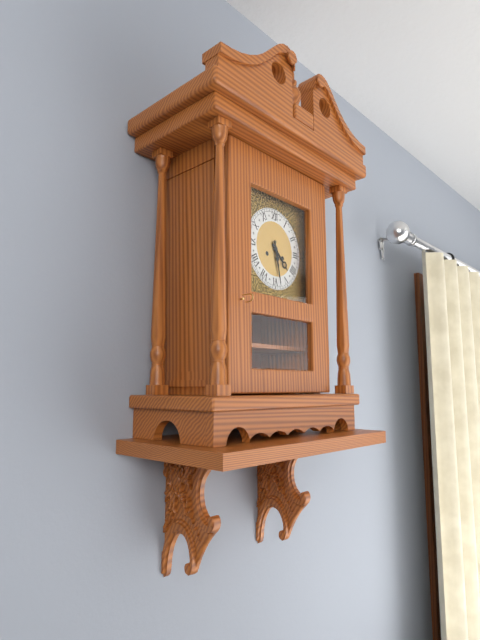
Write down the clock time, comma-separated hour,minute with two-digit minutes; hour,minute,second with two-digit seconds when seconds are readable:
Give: 4,28
